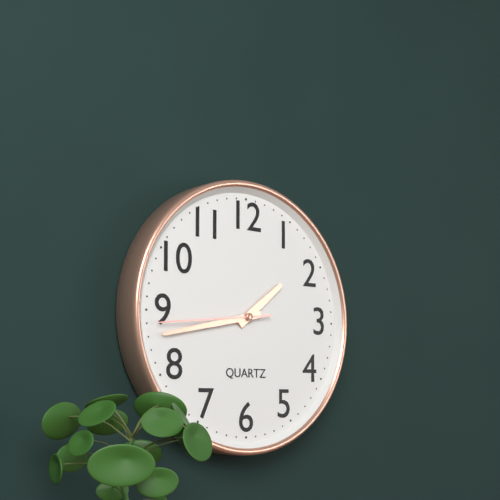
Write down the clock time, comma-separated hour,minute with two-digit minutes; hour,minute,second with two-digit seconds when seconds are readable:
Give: 1,43,44
